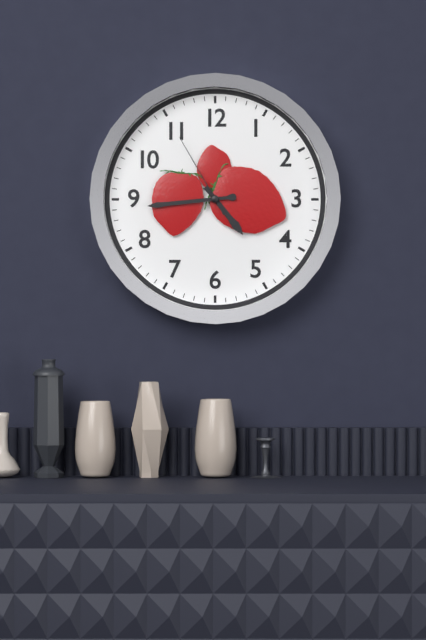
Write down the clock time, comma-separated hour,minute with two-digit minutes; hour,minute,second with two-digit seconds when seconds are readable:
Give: 4,44,55
